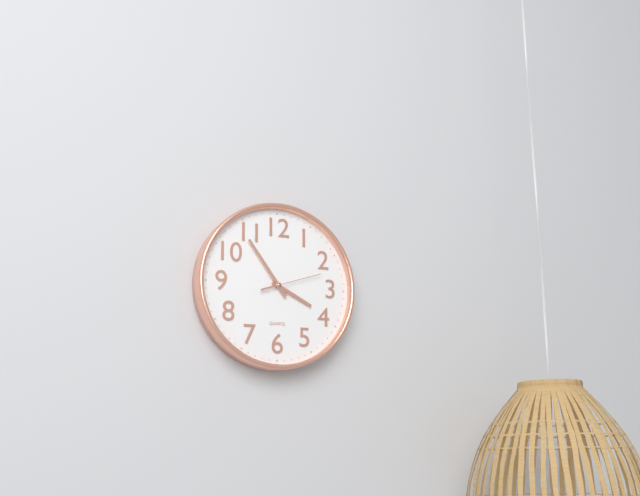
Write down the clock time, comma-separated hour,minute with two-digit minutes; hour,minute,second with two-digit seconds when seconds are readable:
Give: 3,54,12
